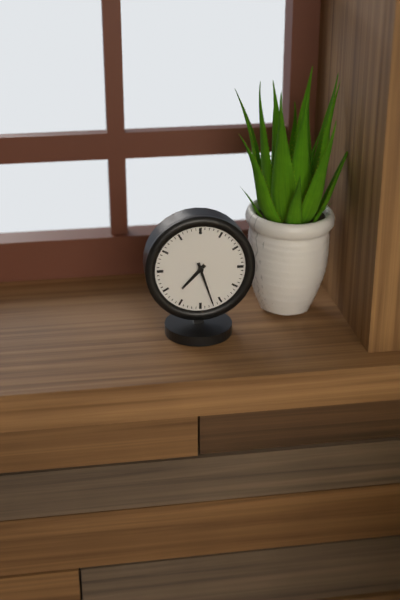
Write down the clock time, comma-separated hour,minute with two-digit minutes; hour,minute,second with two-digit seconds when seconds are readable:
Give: 7,27
